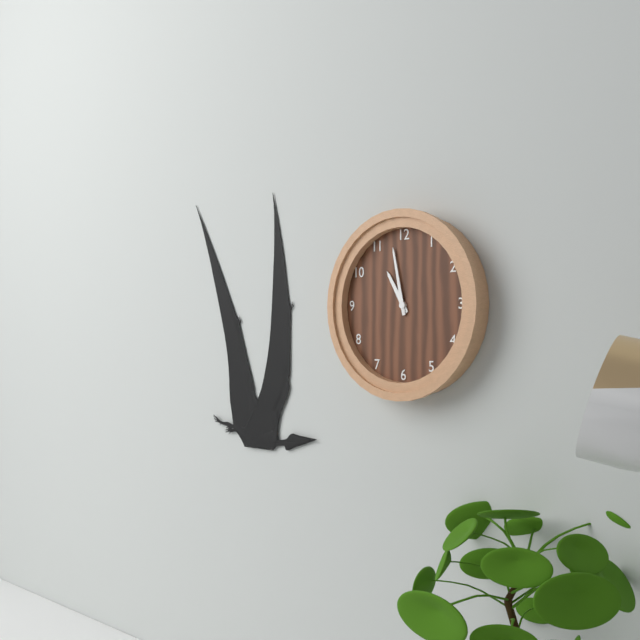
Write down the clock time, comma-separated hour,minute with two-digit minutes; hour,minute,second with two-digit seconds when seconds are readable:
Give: 10,58
